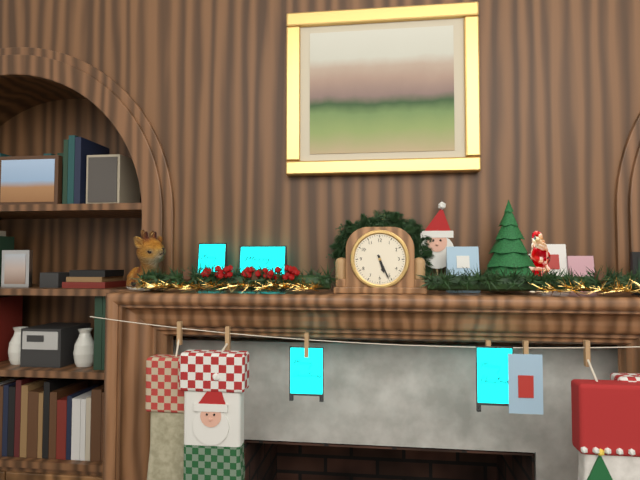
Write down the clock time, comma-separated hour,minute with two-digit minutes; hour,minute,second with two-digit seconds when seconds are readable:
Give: 5,26
